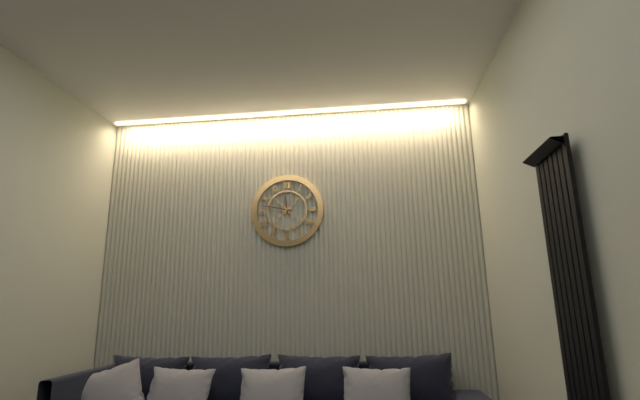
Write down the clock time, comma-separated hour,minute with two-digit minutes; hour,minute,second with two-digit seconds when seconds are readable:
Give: 11,47
